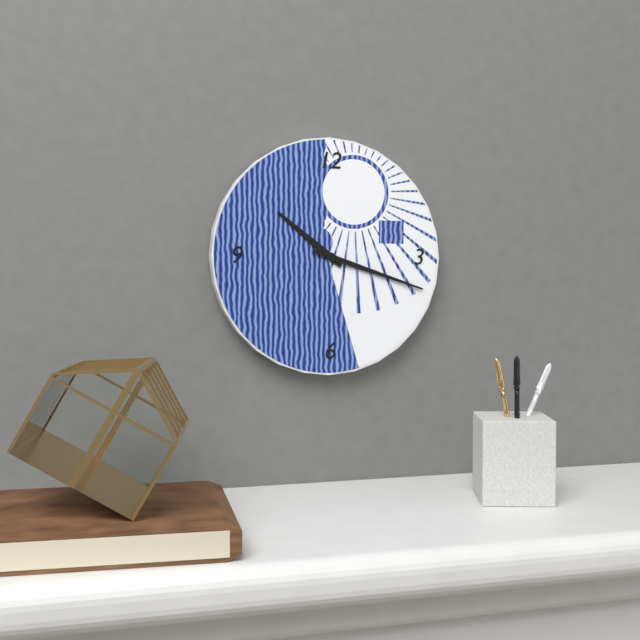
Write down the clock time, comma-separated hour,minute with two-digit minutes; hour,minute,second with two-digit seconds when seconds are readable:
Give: 10,18
